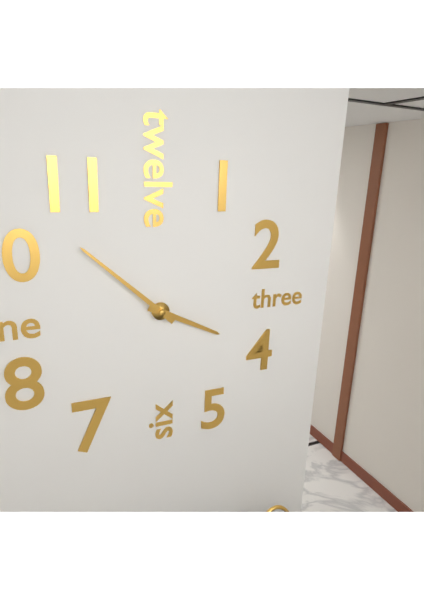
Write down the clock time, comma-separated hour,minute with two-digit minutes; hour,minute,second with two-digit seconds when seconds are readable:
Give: 3,52
